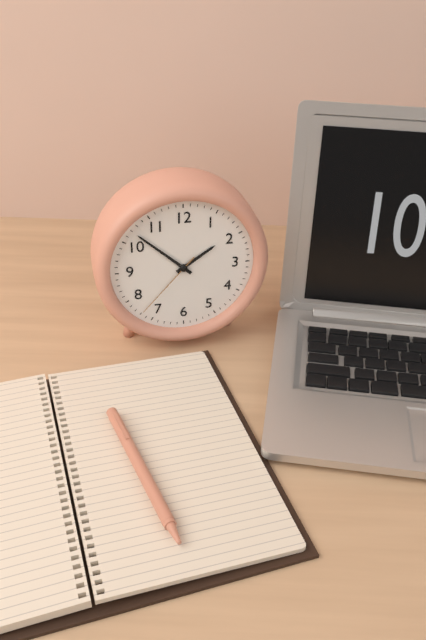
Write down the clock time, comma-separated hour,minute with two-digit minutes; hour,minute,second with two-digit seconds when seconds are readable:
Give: 1,52,37
